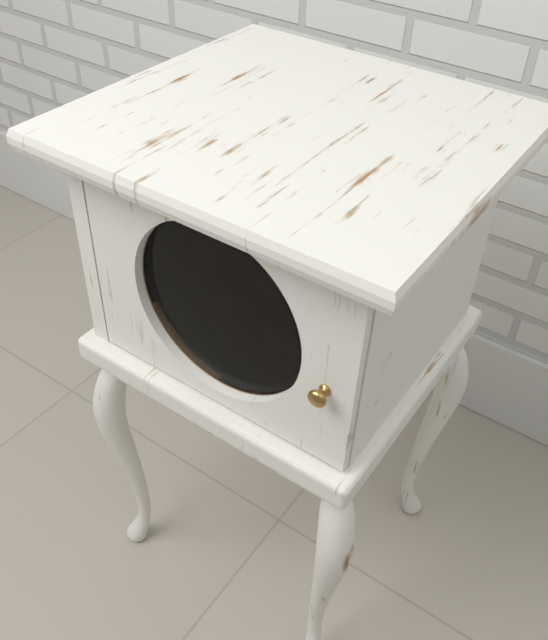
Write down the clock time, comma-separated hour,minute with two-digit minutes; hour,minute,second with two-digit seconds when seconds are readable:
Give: 3,06,31
